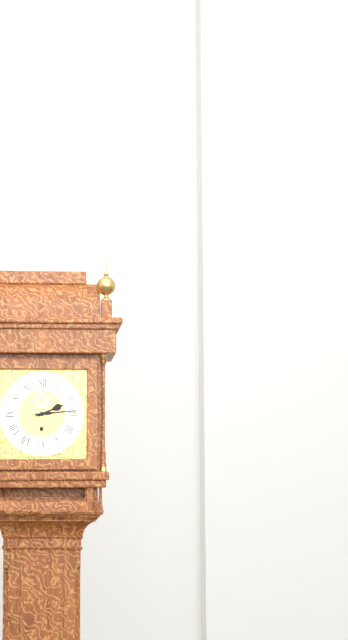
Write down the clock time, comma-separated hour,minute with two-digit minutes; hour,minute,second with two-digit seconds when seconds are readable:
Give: 2,14
